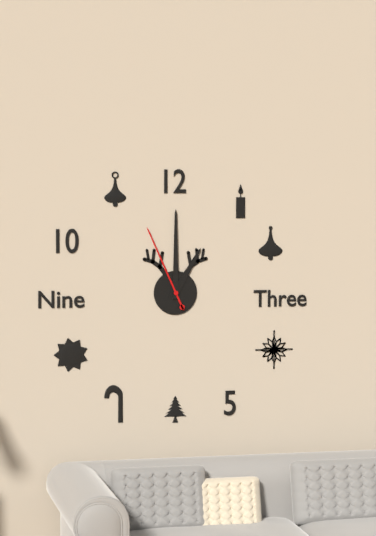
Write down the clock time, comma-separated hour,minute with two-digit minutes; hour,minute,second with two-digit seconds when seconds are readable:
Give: 1,00,56
